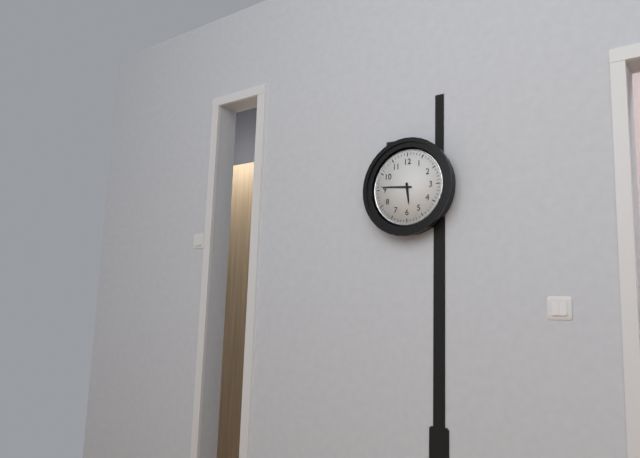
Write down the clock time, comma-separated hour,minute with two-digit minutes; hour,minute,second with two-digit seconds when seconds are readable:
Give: 5,46
